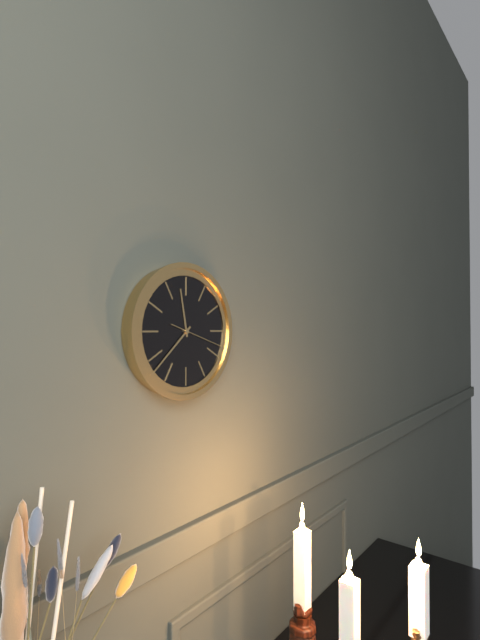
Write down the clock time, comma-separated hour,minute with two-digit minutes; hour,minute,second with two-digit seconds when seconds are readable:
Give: 11,38
